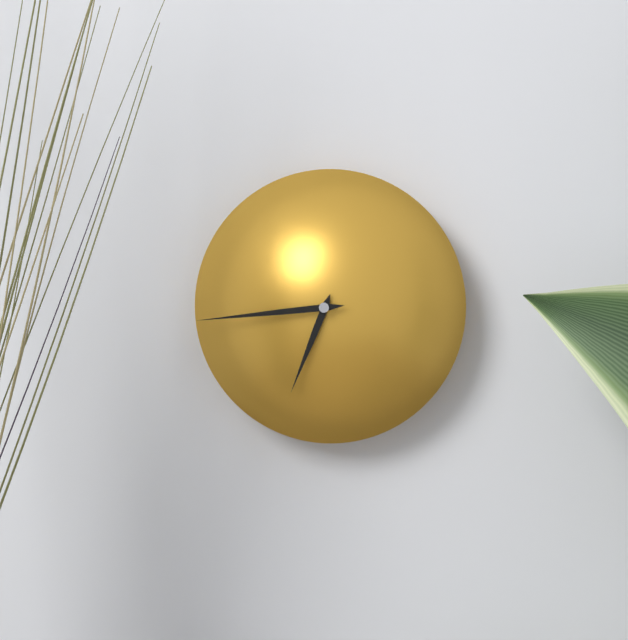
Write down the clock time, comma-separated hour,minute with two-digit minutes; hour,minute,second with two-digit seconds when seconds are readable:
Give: 6,44
